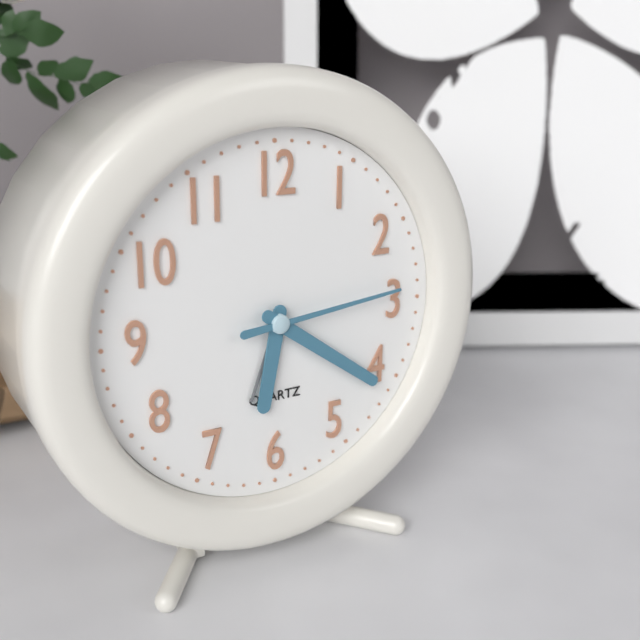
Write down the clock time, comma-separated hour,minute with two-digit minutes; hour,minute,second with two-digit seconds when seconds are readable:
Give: 6,21,14
